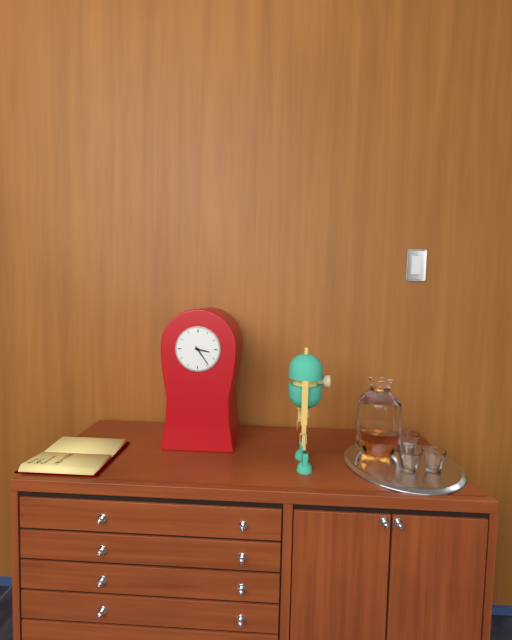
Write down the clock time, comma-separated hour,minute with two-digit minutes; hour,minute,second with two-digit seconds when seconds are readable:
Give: 3,24
